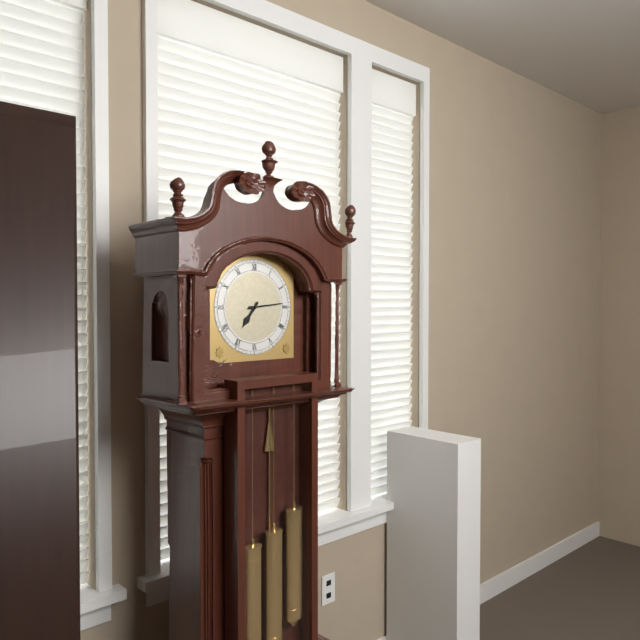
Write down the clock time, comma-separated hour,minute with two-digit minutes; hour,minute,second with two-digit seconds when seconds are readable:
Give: 7,14
